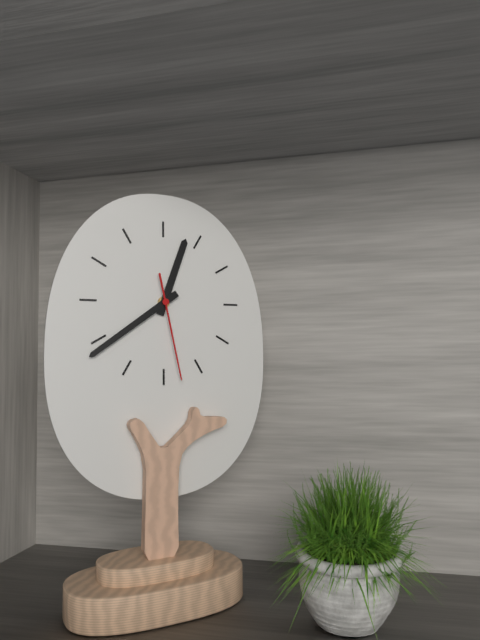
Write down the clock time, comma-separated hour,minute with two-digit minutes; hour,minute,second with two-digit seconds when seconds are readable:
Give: 12,39,28
